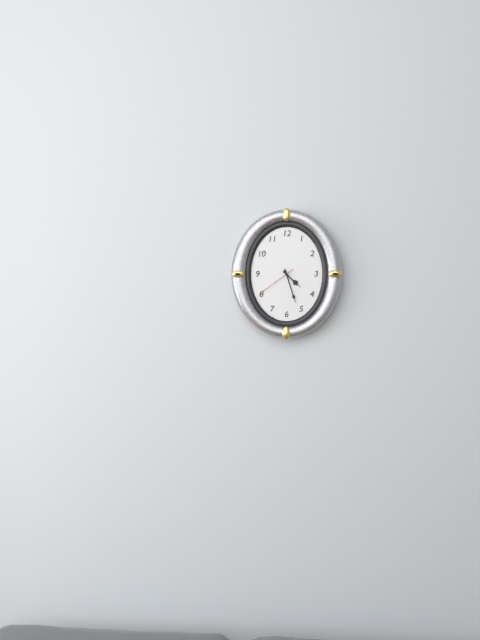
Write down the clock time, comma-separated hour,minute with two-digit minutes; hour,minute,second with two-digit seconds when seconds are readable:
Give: 4,27
